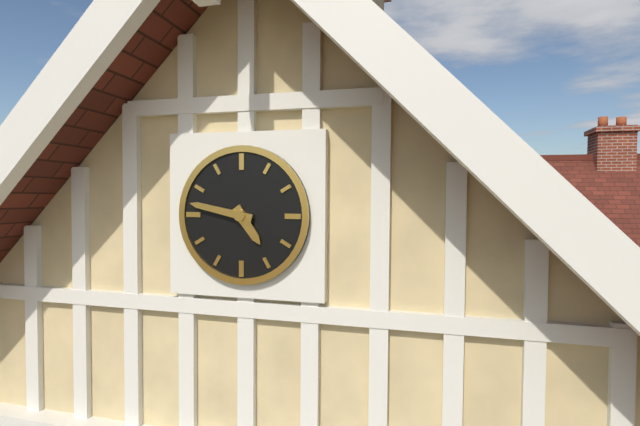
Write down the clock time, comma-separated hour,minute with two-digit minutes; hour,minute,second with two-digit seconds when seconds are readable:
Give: 4,47
